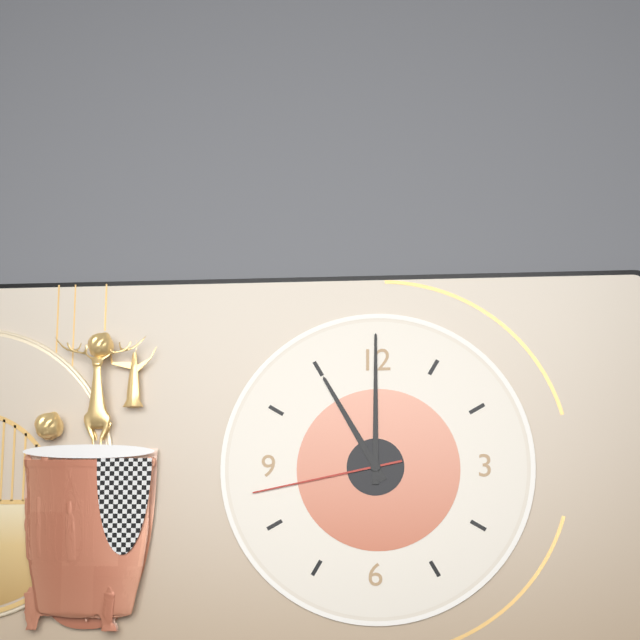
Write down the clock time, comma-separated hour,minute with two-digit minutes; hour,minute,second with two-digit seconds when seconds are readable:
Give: 11,00,43
